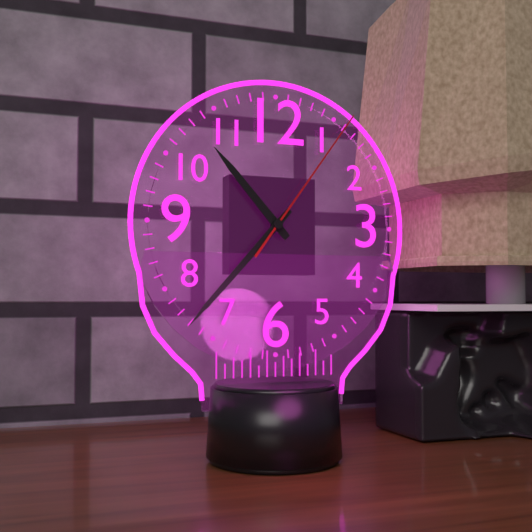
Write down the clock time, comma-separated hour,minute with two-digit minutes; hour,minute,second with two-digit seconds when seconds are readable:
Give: 10,37,06
